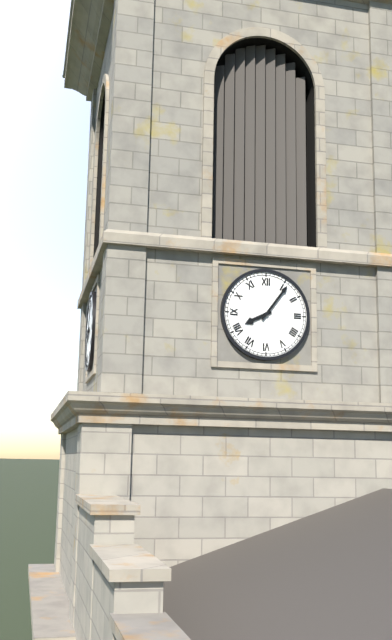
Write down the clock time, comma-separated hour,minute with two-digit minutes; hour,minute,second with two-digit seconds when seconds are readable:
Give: 8,06
